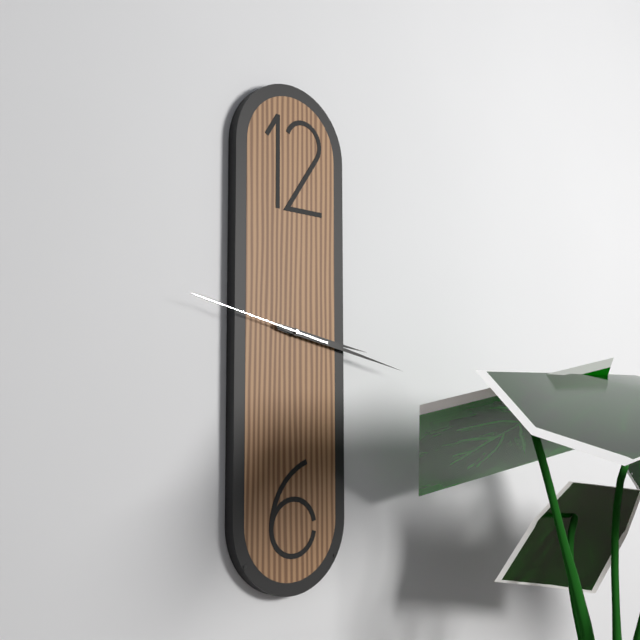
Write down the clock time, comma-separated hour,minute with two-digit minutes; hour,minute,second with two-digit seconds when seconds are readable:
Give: 3,17,47
